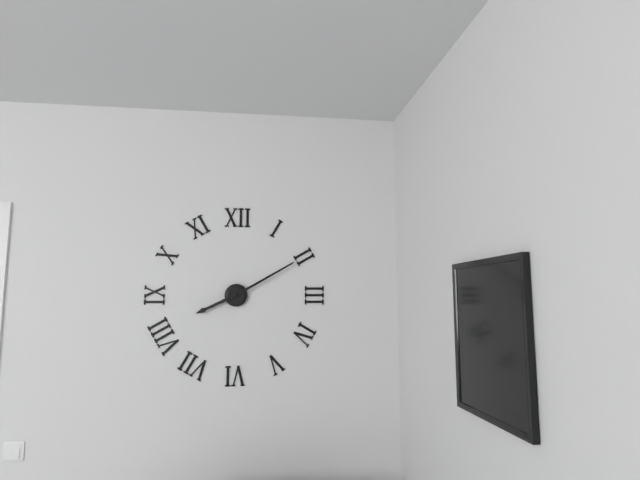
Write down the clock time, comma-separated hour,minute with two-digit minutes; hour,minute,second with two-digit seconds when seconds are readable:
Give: 8,10
